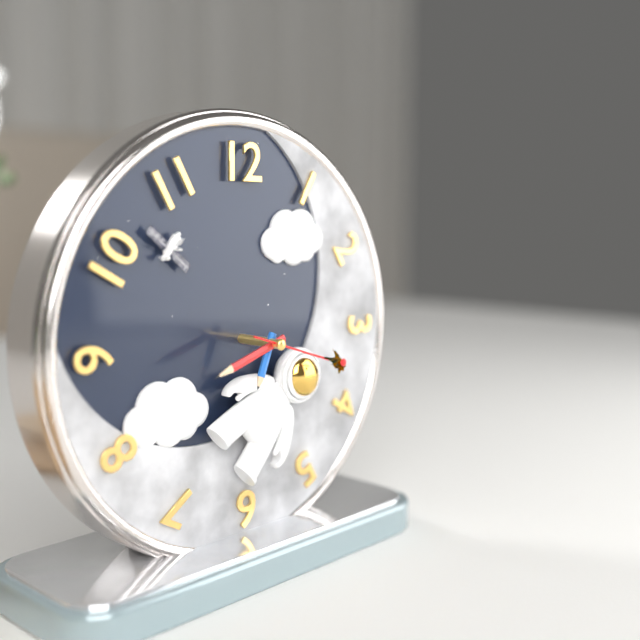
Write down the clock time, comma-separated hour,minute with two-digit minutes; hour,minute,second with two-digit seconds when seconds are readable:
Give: 6,42,18
